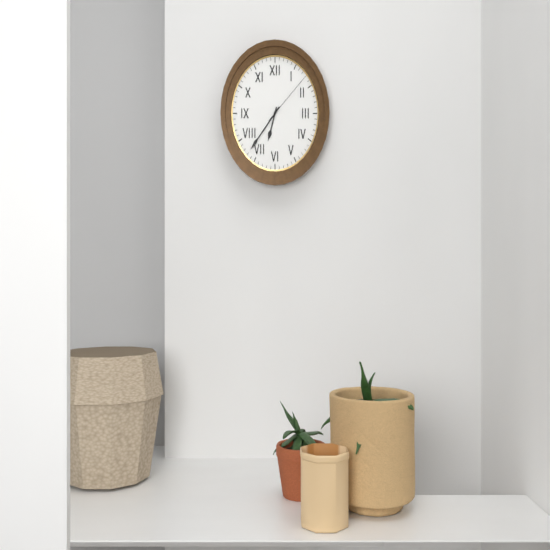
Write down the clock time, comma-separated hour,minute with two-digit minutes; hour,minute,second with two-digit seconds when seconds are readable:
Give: 6,37,08
